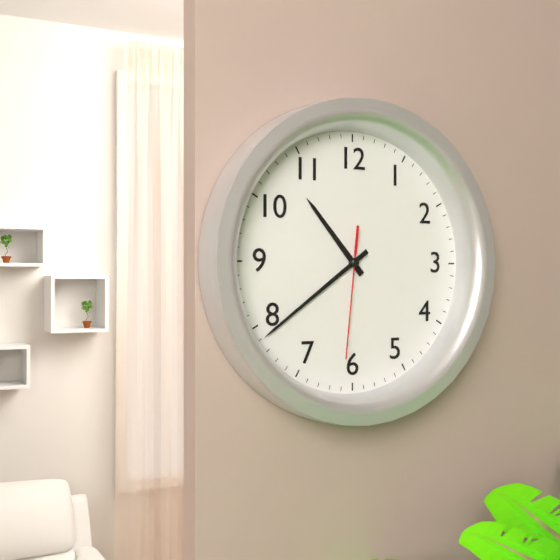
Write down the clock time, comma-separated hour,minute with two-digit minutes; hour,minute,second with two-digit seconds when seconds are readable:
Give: 10,39,31
